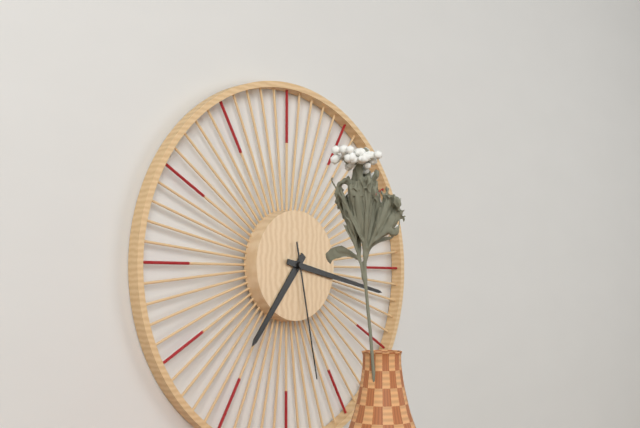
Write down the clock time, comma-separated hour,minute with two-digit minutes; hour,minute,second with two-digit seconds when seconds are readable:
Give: 7,17,28
